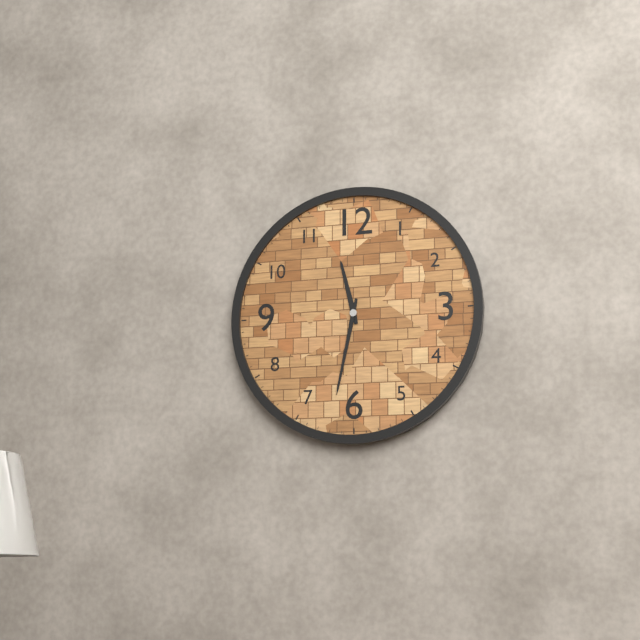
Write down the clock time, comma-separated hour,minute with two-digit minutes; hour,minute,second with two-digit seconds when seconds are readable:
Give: 11,32
